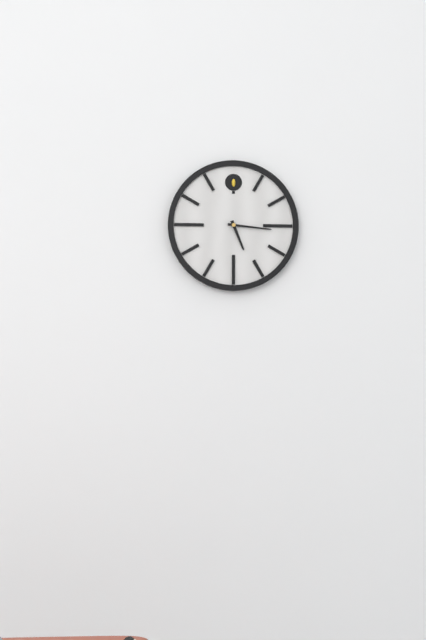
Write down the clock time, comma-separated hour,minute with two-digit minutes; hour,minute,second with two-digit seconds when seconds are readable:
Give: 5,16
